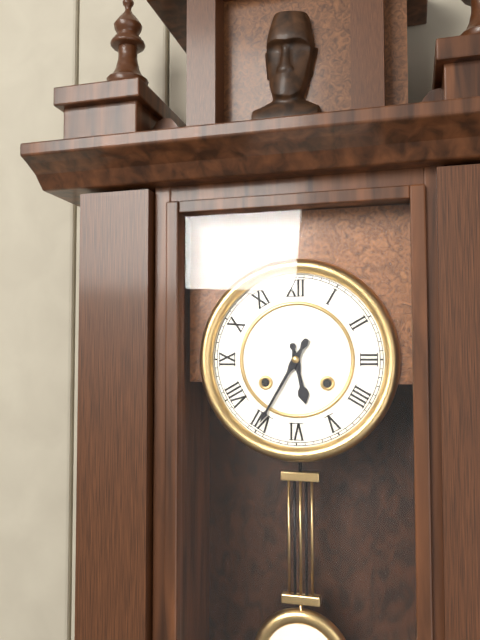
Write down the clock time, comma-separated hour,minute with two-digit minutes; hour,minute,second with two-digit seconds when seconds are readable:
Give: 5,35
